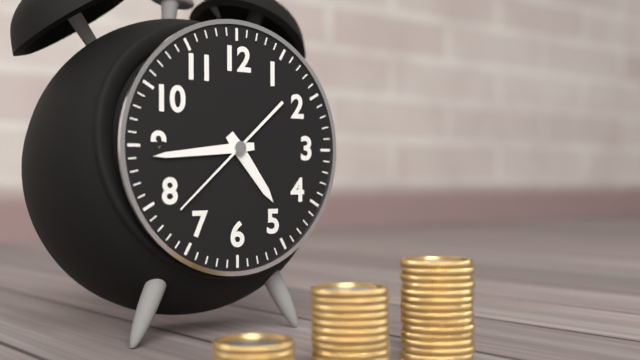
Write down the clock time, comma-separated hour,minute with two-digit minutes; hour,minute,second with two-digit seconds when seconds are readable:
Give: 4,44,38
